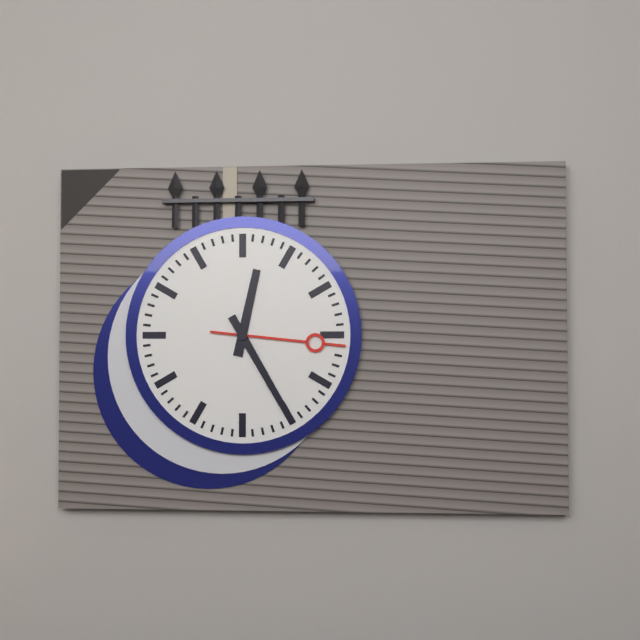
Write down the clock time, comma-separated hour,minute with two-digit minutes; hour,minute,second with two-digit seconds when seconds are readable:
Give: 12,25,16
